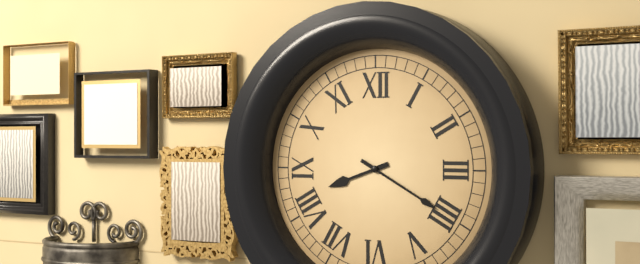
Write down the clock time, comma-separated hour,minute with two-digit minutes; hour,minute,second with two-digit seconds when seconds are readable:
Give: 8,20
